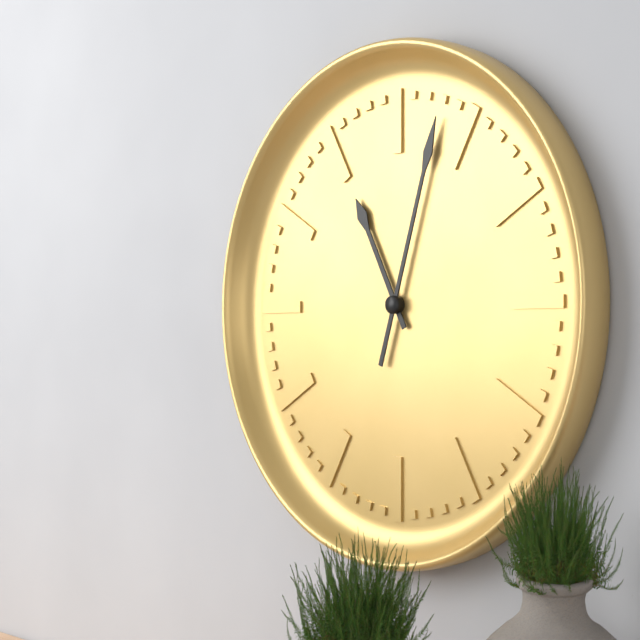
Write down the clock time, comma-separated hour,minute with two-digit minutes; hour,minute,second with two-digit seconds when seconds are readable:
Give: 11,03
